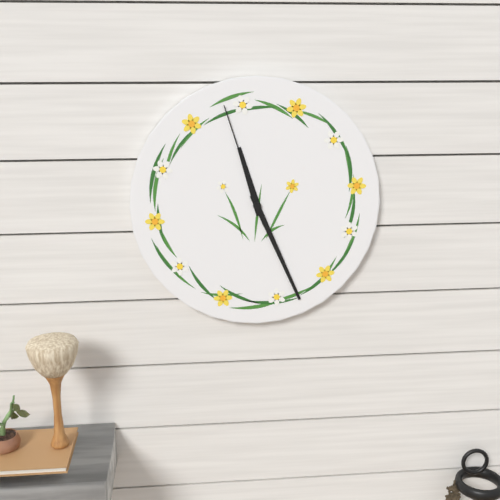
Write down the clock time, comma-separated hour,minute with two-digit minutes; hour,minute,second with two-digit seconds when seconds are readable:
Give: 11,26,57
